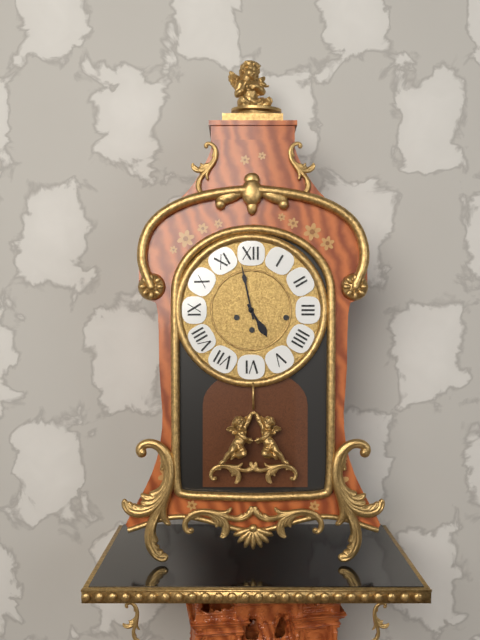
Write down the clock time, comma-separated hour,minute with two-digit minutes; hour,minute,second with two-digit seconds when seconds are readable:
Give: 4,58
